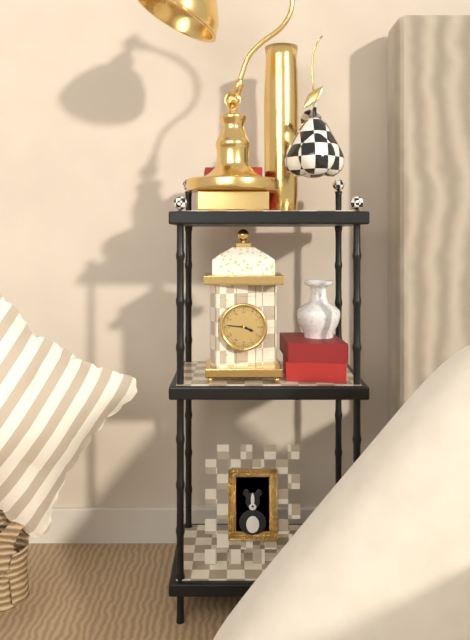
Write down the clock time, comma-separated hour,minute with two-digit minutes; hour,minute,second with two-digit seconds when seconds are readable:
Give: 3,46
